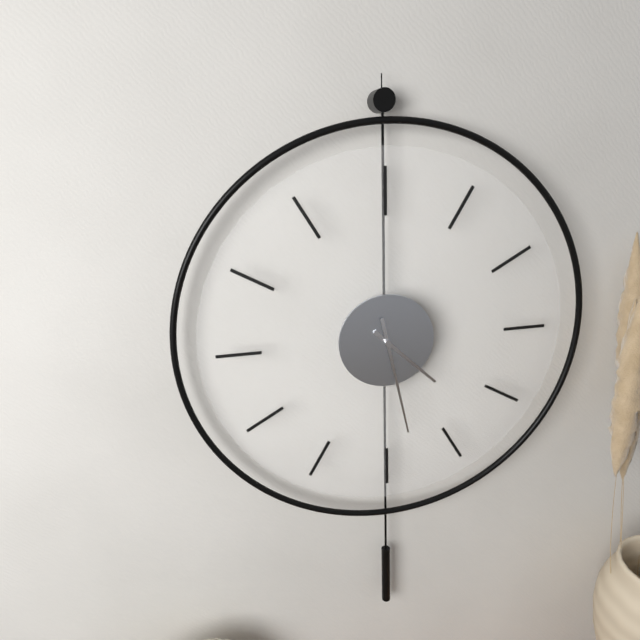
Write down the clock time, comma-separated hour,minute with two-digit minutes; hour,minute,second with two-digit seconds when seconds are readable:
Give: 4,28
